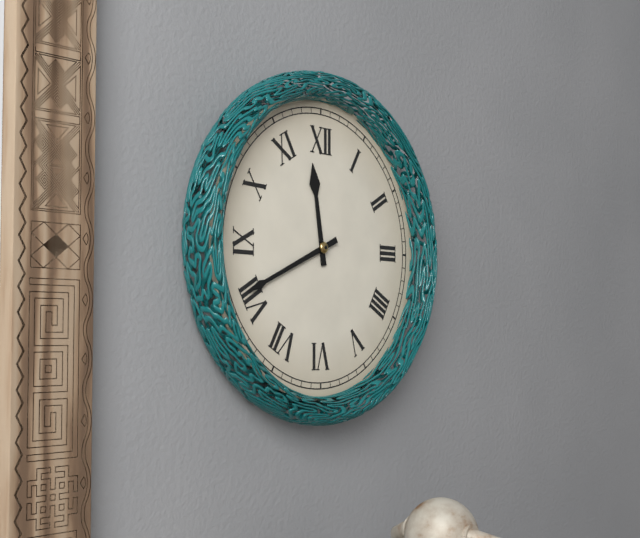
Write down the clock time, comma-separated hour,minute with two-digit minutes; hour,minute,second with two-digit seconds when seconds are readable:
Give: 11,41
